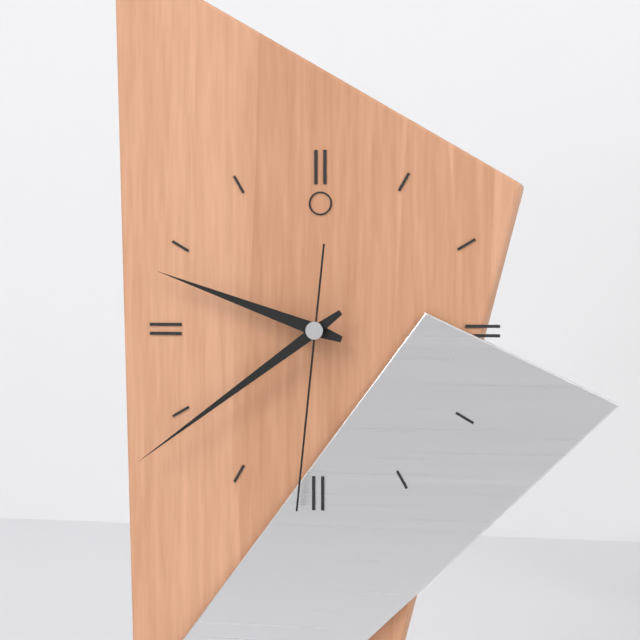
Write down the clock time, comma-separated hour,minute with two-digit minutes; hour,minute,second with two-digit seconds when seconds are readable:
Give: 9,39,31
